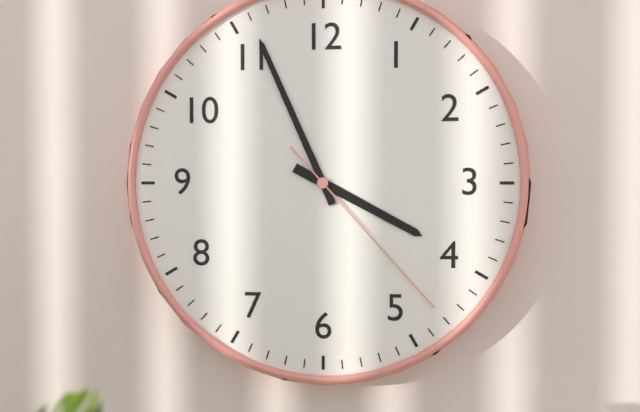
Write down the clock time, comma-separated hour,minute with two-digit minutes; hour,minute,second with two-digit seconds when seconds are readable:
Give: 3,56,23
